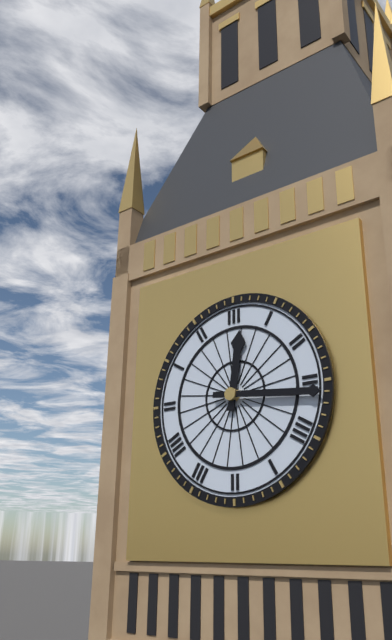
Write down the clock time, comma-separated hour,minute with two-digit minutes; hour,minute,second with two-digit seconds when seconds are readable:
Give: 12,16
